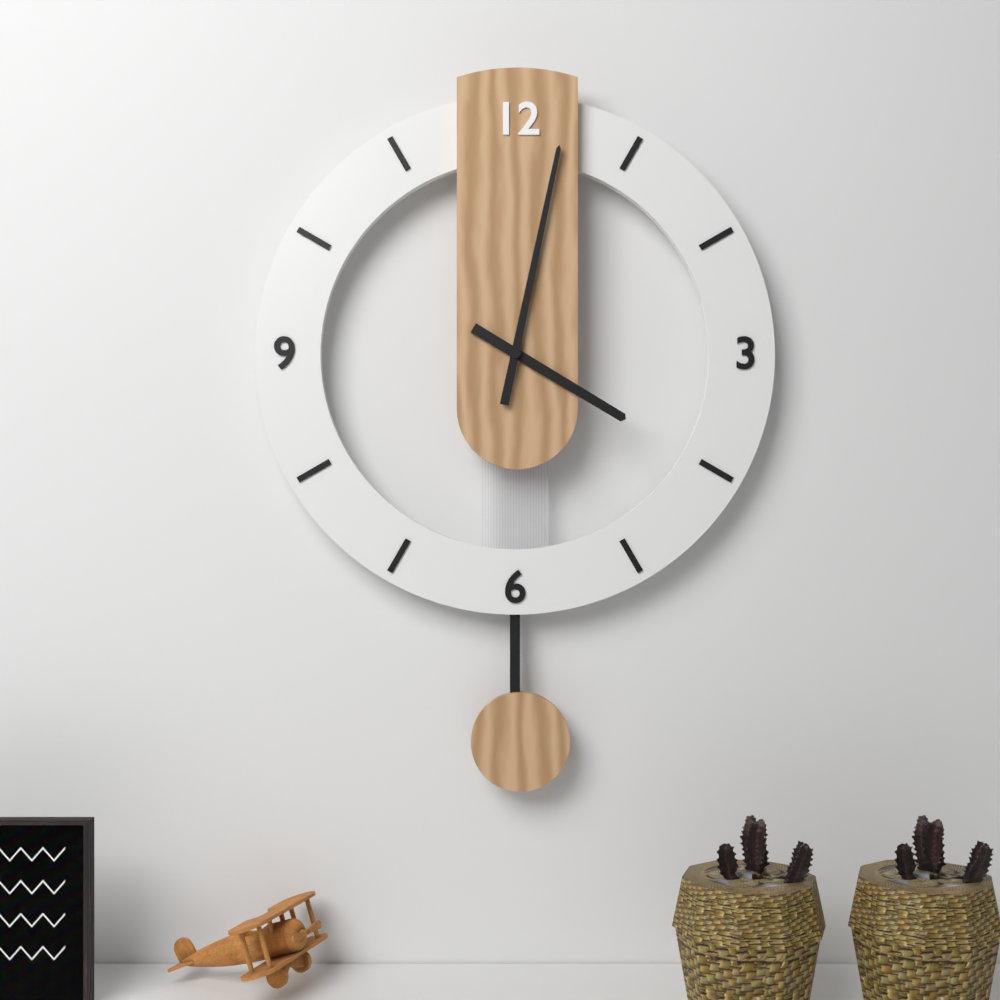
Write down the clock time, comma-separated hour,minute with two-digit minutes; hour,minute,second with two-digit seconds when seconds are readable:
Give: 4,02
